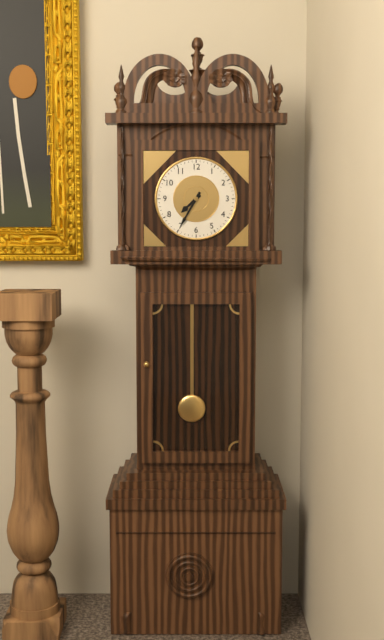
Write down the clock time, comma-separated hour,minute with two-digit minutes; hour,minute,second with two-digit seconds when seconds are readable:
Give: 7,35
